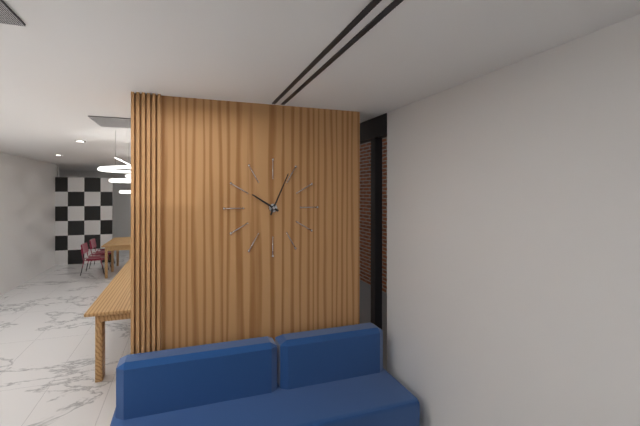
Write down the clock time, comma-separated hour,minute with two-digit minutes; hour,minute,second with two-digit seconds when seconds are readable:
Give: 10,04
